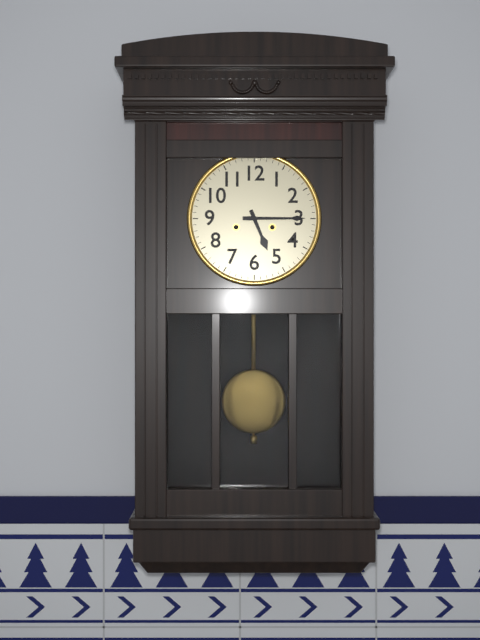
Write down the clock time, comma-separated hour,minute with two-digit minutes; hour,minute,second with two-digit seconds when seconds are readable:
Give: 5,15
